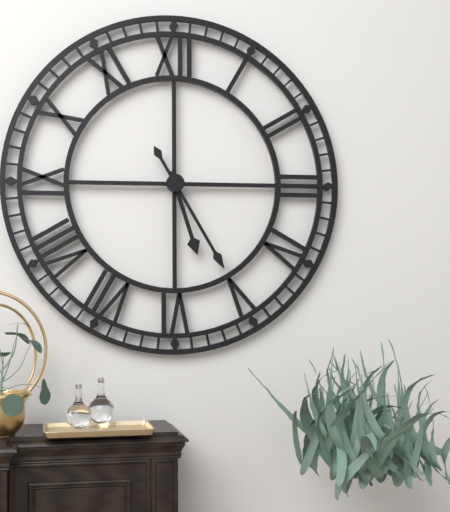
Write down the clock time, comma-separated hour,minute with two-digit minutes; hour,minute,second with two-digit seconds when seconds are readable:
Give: 5,25
